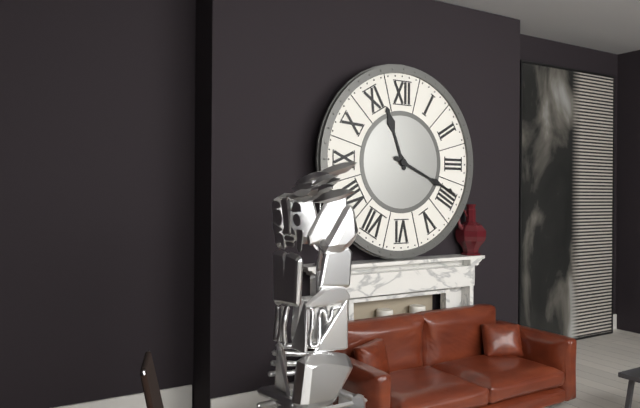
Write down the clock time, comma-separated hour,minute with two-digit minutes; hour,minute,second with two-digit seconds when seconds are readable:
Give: 11,19
